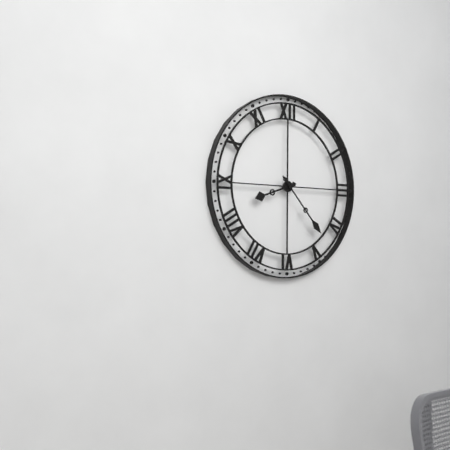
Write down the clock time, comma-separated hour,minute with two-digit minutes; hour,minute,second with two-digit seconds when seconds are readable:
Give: 8,23
